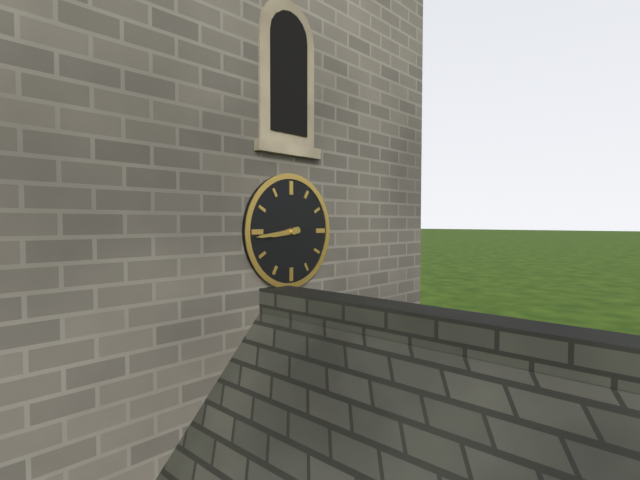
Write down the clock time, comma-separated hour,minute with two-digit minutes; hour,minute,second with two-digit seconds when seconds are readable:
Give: 8,44
